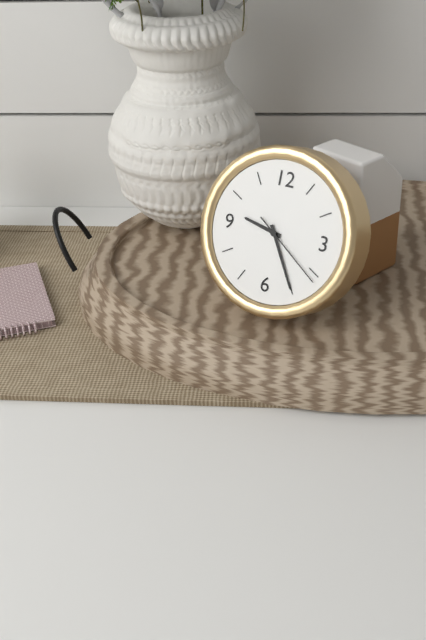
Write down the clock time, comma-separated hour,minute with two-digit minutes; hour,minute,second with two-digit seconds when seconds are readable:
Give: 9,25,21
